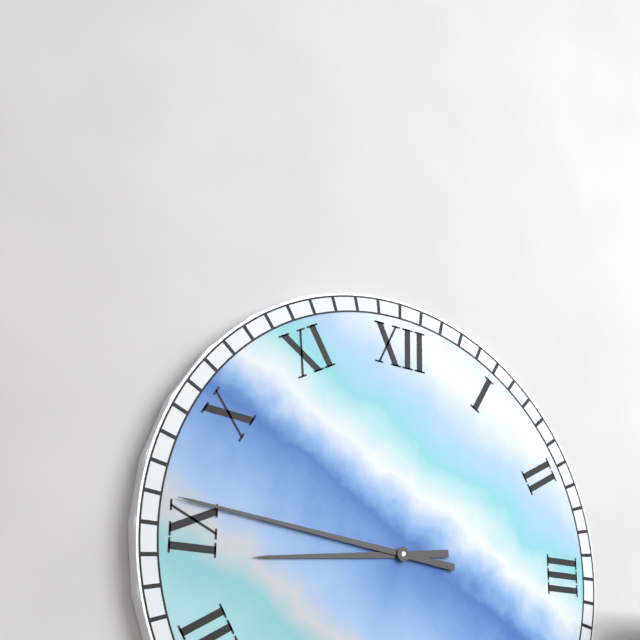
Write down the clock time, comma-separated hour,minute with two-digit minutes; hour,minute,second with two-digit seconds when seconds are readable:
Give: 8,46
